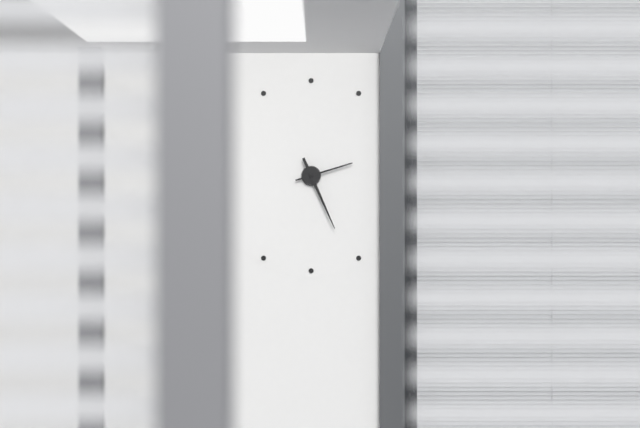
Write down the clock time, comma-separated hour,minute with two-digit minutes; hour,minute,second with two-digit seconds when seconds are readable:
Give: 2,26
